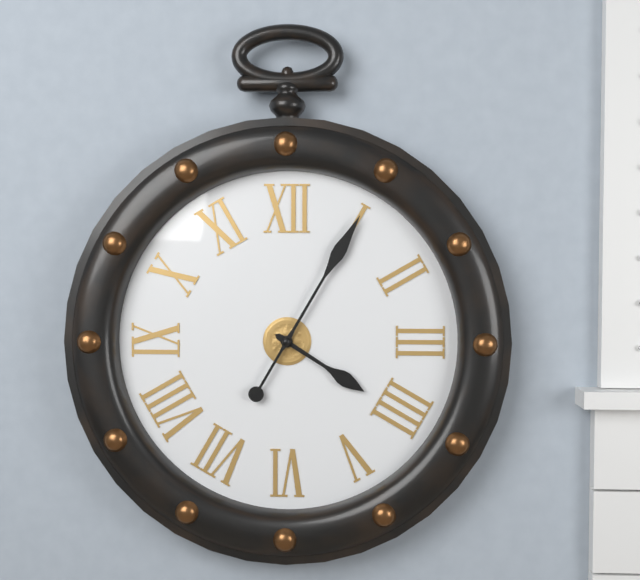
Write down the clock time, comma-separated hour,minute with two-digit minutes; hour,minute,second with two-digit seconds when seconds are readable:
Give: 4,05
